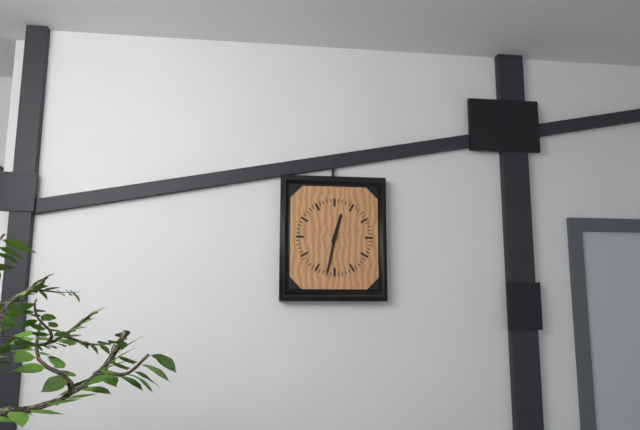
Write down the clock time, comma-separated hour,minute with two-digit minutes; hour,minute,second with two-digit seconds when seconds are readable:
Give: 12,32
